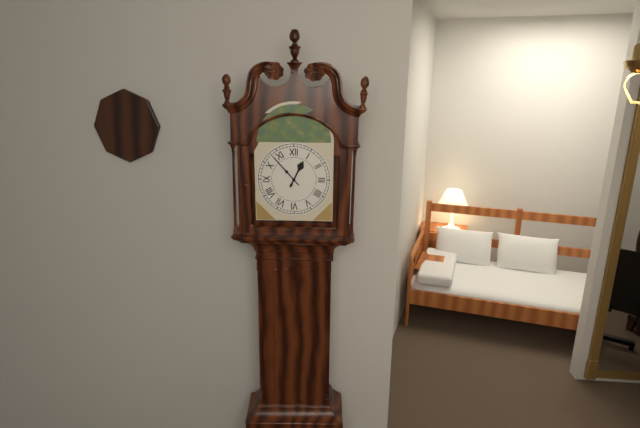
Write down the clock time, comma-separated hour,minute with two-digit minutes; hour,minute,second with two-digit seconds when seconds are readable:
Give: 12,53
